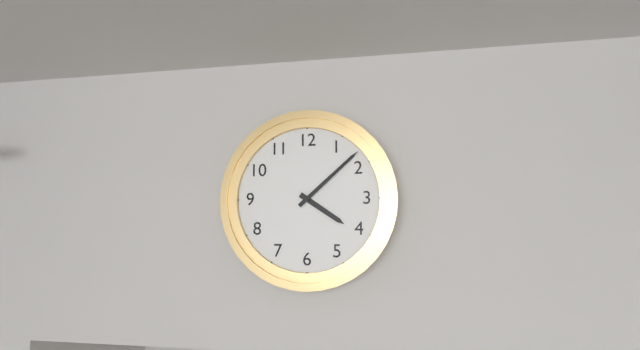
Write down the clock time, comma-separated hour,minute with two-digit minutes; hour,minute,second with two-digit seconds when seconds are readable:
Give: 4,08
